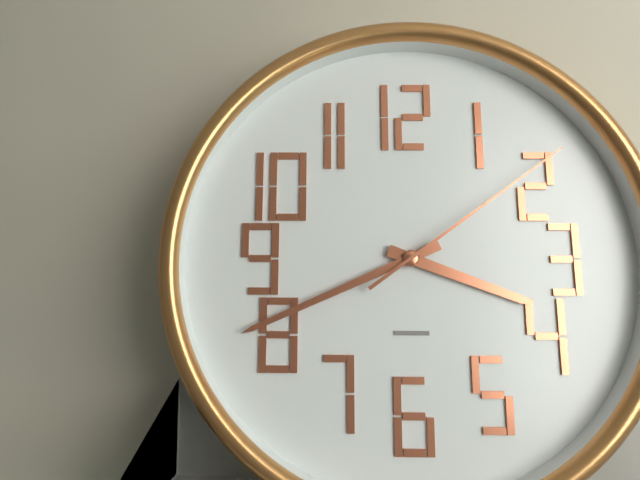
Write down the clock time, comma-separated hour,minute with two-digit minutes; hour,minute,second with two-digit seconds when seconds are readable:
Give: 3,41,09
